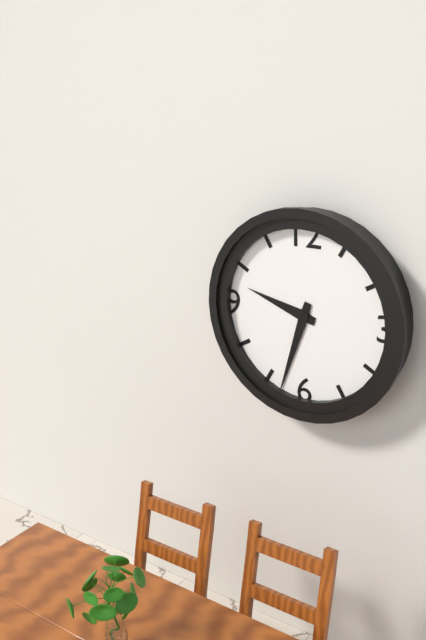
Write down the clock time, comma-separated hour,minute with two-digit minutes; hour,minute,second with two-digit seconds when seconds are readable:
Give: 9,33
